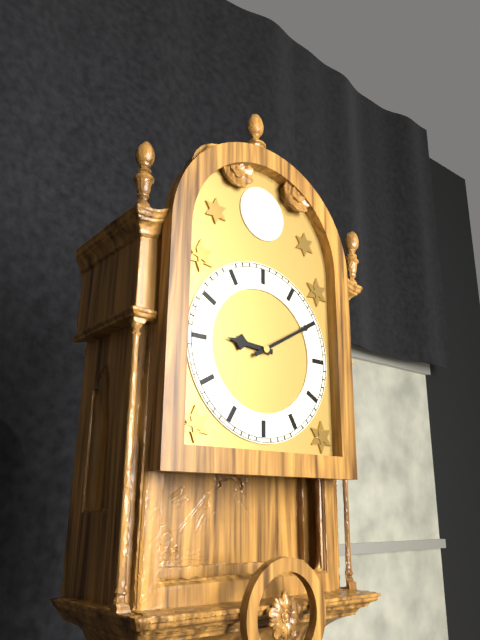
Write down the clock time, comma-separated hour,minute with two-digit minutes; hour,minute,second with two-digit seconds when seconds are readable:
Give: 9,10
